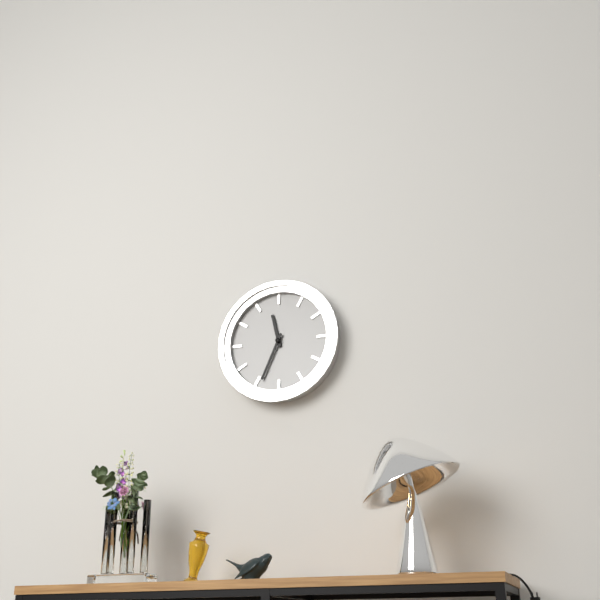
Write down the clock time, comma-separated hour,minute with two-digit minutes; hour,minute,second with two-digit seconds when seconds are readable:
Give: 11,34
